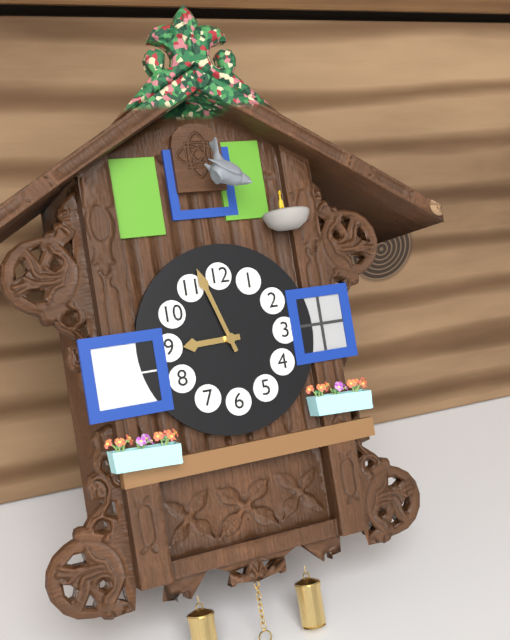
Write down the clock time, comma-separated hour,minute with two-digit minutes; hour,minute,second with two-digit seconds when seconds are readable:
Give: 8,57
